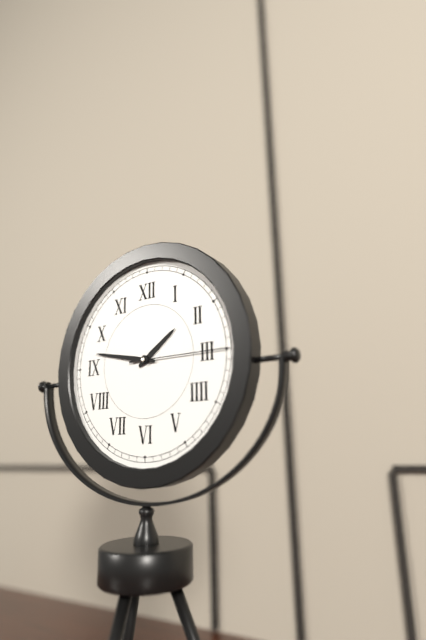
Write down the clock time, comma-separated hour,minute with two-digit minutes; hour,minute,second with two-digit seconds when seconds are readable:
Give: 1,47,15
